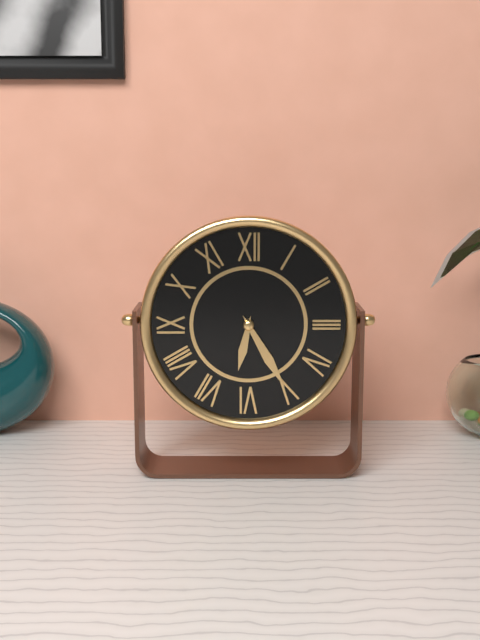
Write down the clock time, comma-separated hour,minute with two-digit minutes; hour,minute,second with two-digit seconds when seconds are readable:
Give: 6,25
